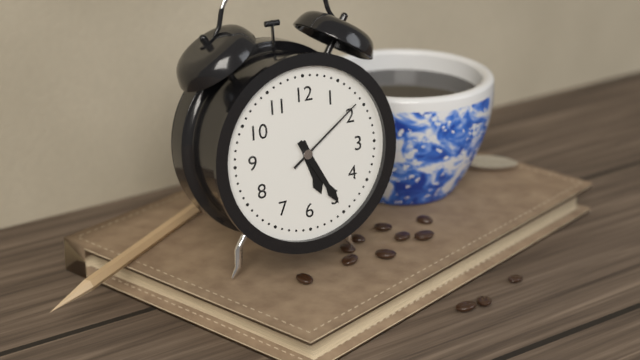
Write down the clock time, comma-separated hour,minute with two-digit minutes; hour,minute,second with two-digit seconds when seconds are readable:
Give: 5,25,09
